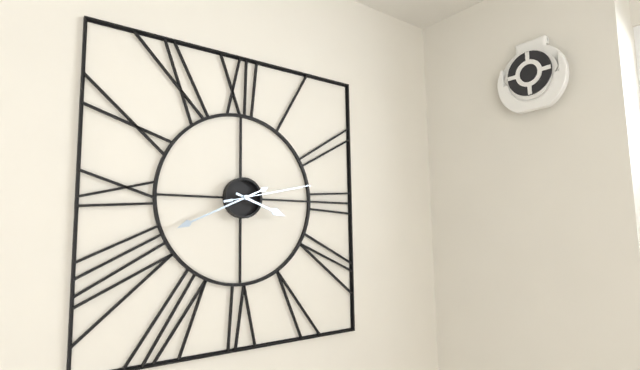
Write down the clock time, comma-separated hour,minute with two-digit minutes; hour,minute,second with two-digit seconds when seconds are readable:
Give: 3,41,13
